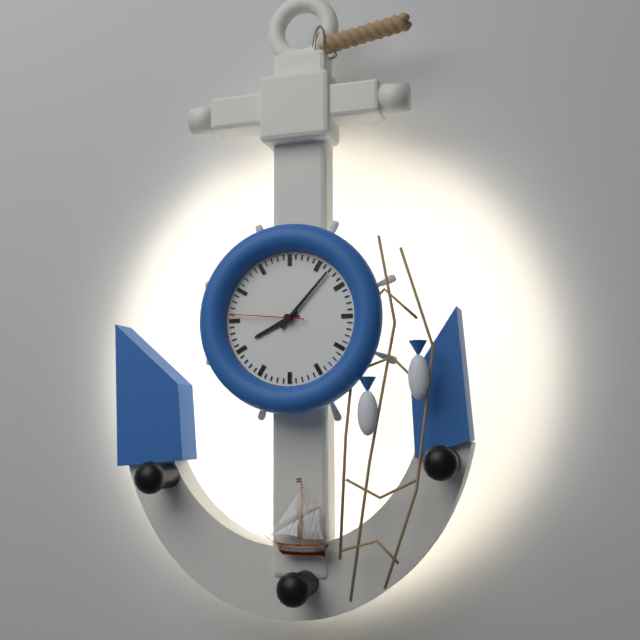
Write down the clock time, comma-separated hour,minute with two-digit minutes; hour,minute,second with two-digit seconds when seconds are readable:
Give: 8,07,46
